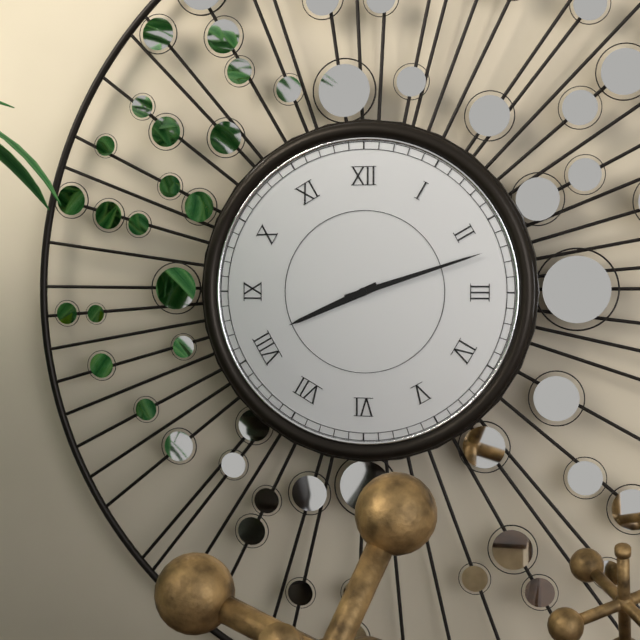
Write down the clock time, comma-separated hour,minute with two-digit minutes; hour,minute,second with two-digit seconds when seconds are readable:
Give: 8,12
